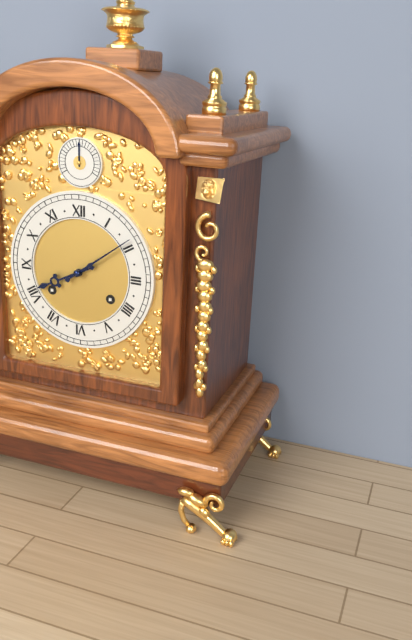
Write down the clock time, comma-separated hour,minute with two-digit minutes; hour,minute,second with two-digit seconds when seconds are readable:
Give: 8,09
